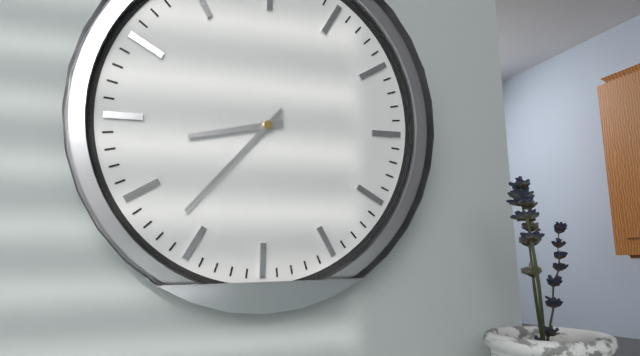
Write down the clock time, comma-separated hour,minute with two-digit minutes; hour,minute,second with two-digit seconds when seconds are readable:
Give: 8,37
